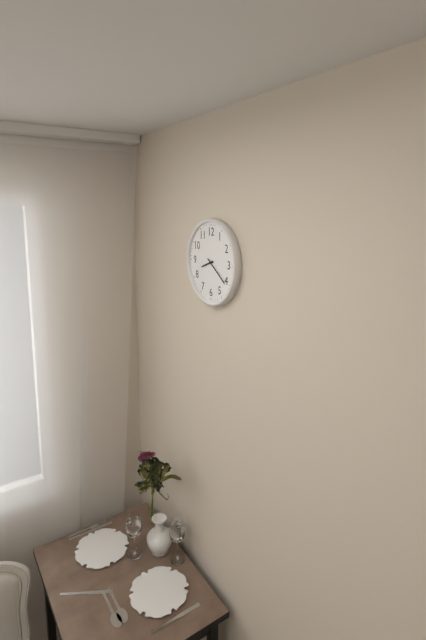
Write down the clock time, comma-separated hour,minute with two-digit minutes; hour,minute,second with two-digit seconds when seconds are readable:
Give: 8,21
